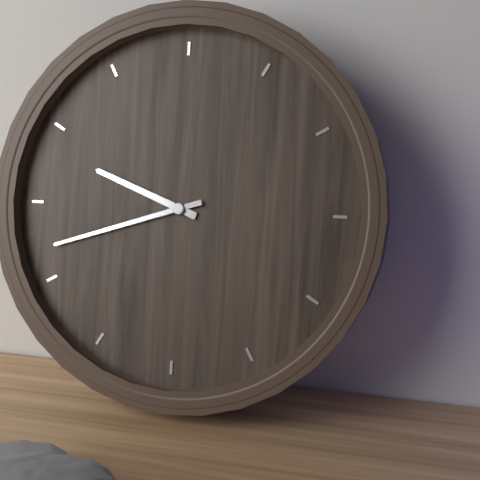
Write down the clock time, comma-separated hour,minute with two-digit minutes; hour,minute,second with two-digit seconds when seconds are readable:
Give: 9,42
